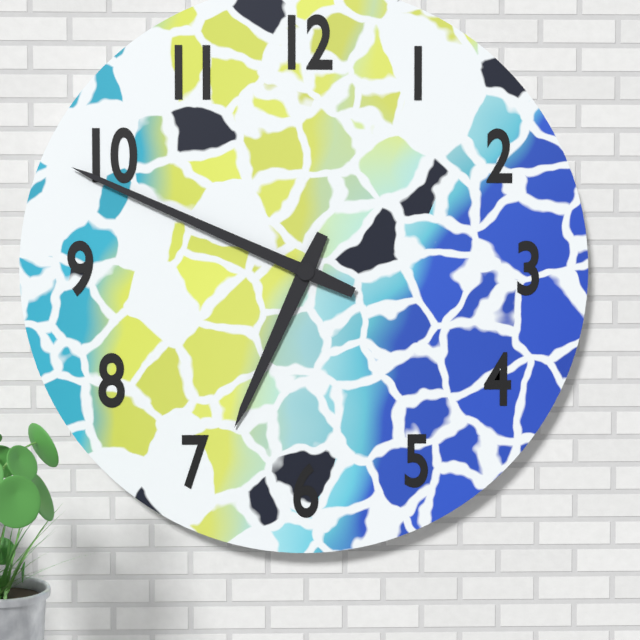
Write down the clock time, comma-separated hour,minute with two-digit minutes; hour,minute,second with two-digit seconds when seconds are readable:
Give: 6,49
